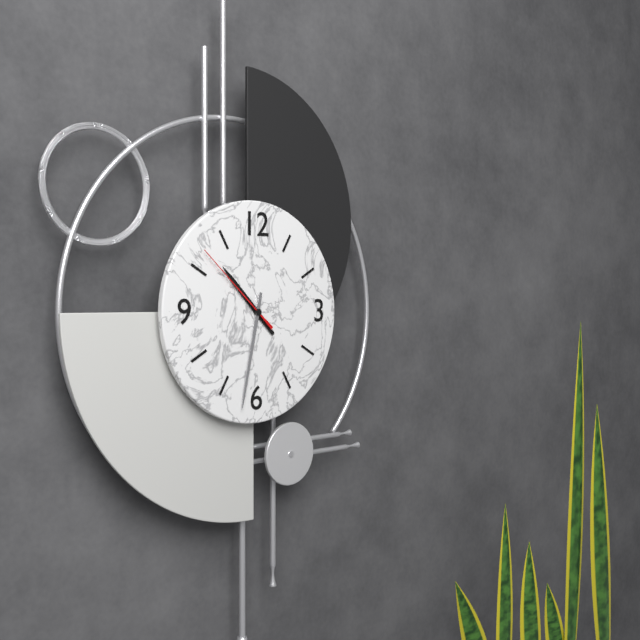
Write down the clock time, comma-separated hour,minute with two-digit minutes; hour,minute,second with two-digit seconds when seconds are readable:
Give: 10,32,52
